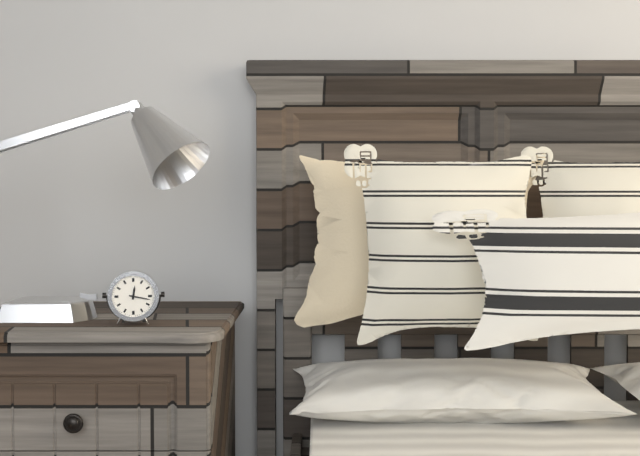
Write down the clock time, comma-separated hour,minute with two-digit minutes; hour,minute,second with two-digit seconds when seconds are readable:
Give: 12,17
